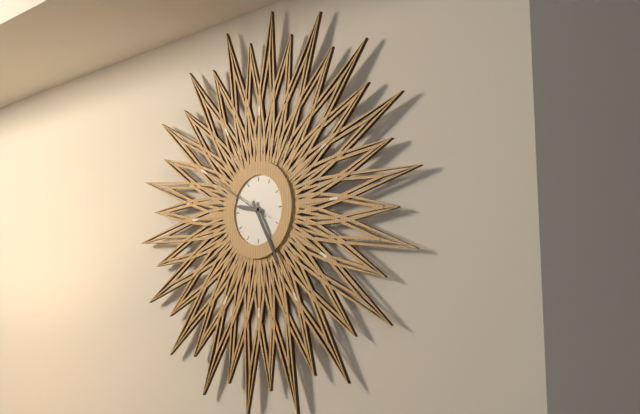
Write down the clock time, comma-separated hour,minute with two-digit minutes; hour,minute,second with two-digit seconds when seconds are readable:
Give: 9,25,50
